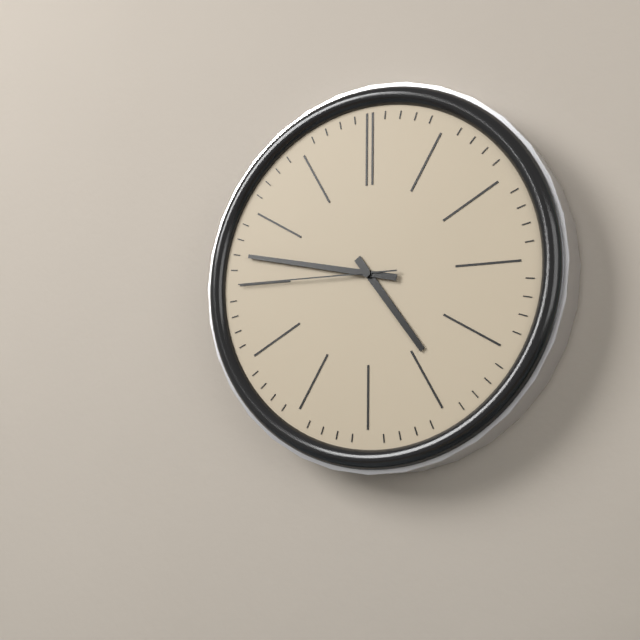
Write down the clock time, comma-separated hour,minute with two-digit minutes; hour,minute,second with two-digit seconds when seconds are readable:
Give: 4,47,45
